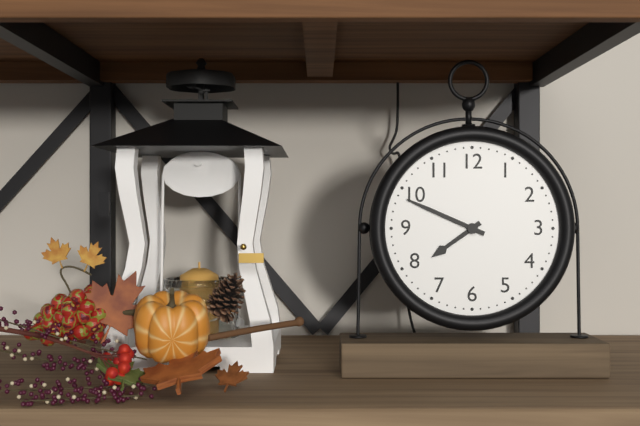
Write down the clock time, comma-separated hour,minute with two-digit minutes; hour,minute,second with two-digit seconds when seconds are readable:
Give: 7,49
